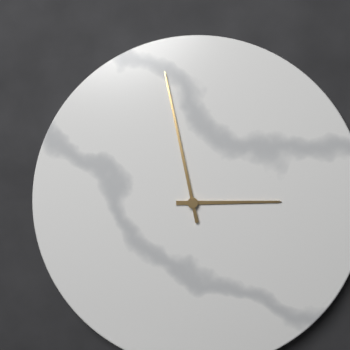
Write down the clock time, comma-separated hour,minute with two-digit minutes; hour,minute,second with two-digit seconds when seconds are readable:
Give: 2,58
